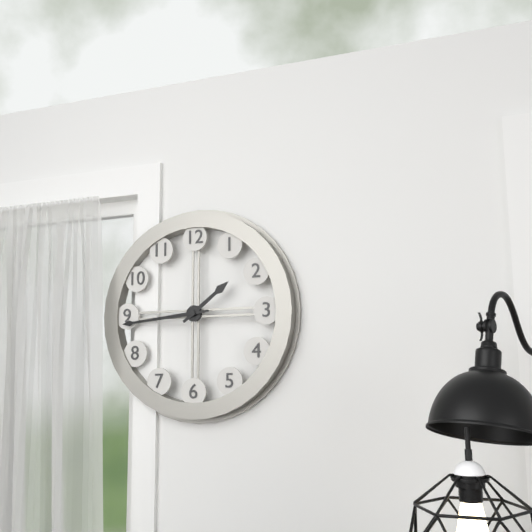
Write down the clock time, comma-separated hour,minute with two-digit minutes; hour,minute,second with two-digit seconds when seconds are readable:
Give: 1,44
